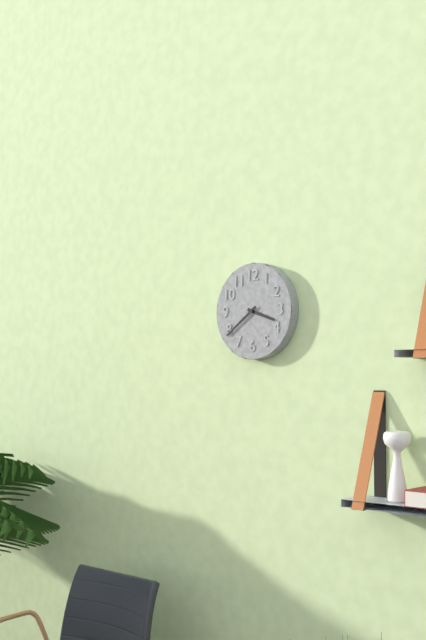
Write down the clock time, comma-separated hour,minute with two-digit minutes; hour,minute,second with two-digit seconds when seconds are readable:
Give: 3,39
